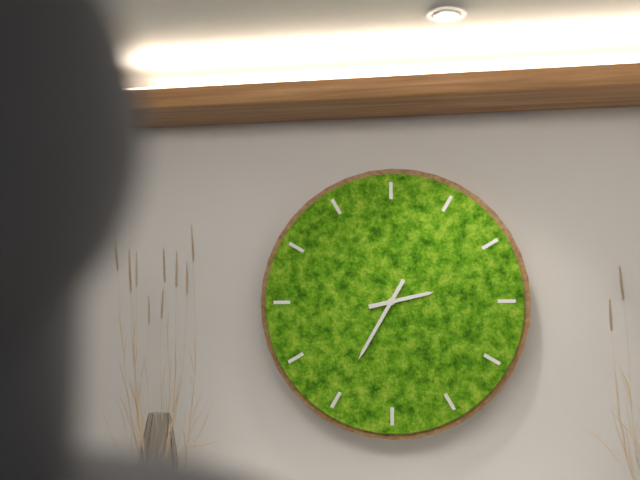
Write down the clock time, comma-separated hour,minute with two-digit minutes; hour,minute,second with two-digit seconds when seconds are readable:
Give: 2,35
